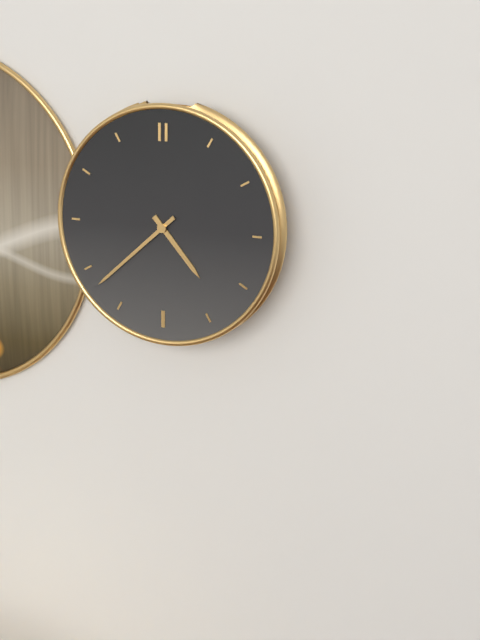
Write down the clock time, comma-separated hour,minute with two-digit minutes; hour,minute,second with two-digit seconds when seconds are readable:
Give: 4,38
